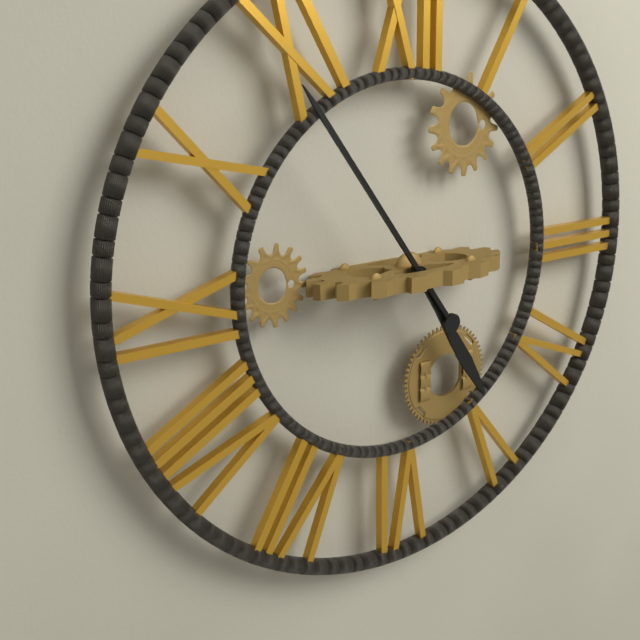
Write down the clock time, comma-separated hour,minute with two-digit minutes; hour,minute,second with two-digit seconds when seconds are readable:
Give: 4,54
